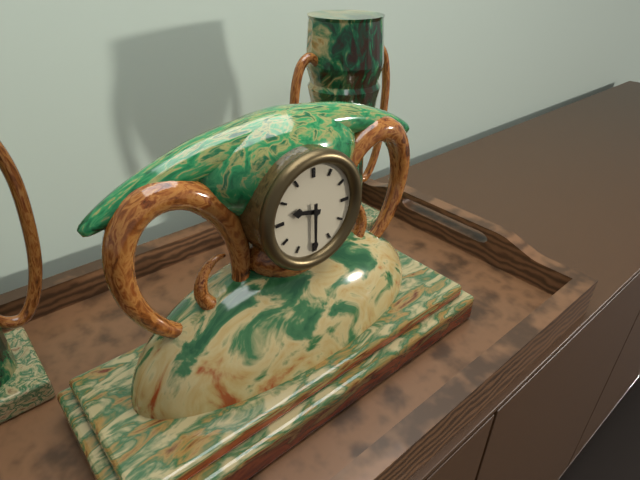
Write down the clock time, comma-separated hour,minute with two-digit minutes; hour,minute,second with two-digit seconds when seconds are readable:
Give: 9,30
